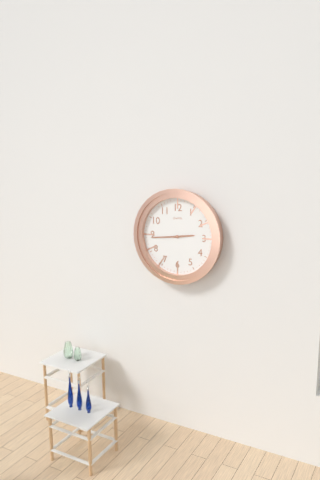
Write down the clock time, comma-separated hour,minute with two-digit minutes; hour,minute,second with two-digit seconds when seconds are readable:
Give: 2,44
